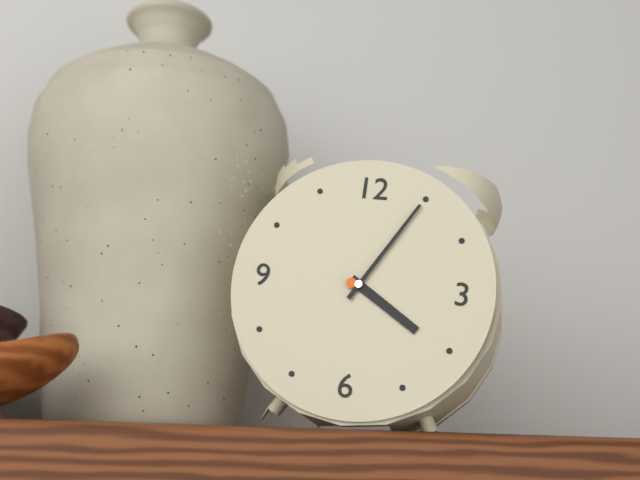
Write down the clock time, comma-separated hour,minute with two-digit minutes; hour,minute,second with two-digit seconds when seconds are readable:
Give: 4,05
